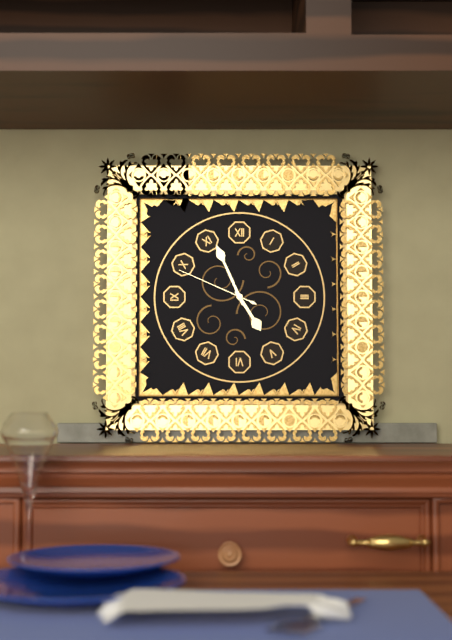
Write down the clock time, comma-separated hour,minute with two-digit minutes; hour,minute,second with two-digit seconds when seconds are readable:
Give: 4,56,49
